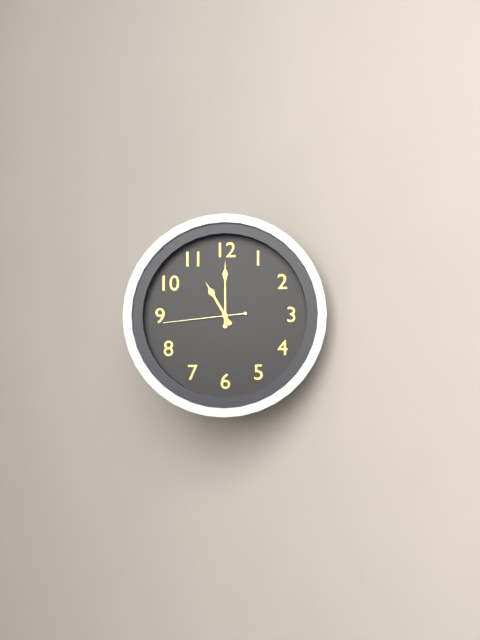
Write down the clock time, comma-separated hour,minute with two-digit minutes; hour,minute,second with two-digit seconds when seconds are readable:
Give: 11,00,44
